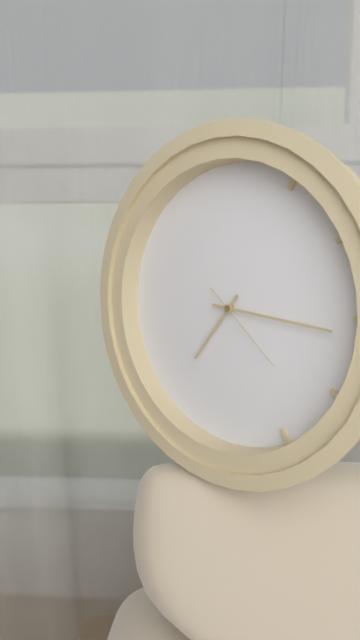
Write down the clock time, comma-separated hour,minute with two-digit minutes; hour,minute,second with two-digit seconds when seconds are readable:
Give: 7,16,22
